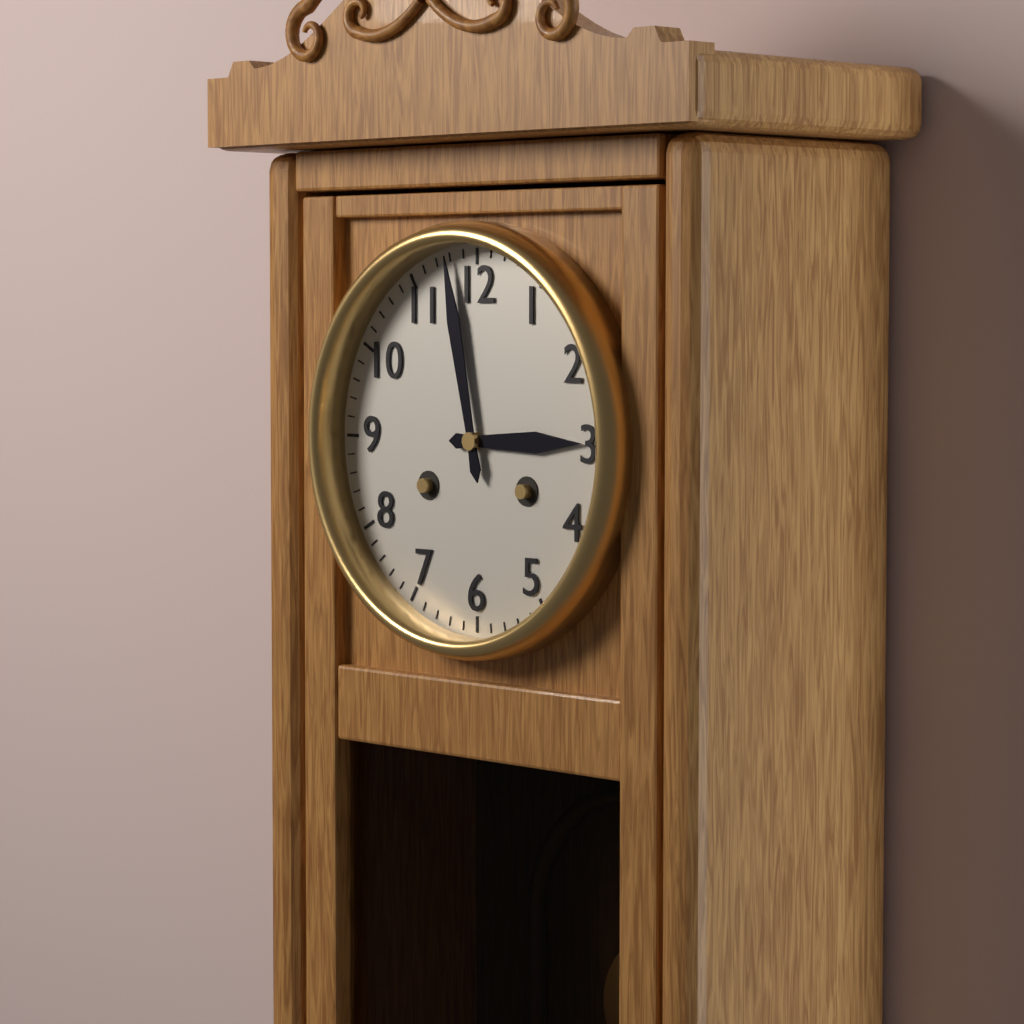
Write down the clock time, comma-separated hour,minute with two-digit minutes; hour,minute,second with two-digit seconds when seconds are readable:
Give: 2,58
